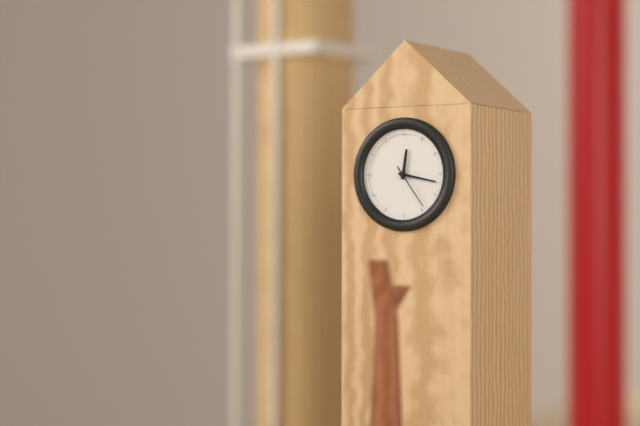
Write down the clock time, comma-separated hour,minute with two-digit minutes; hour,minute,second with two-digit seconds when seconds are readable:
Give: 12,17
